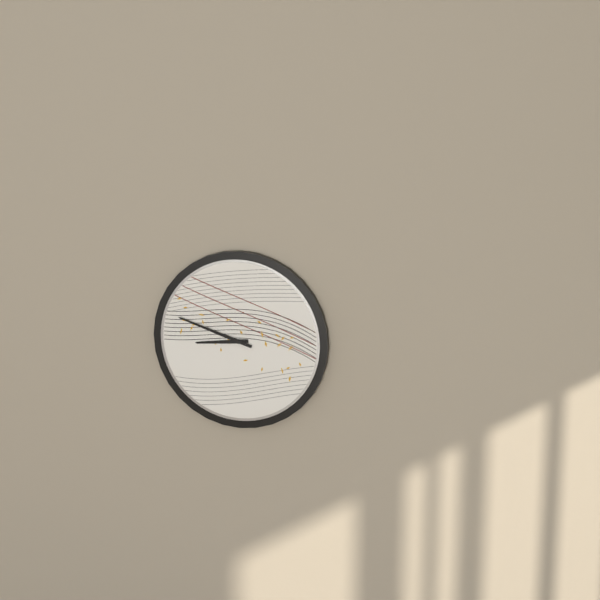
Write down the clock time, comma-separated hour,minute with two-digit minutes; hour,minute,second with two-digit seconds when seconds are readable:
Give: 8,48
